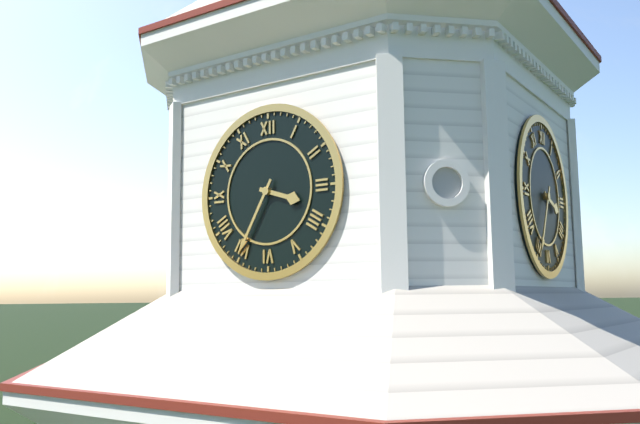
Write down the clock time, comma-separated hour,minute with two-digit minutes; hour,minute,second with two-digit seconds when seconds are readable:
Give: 3,35
